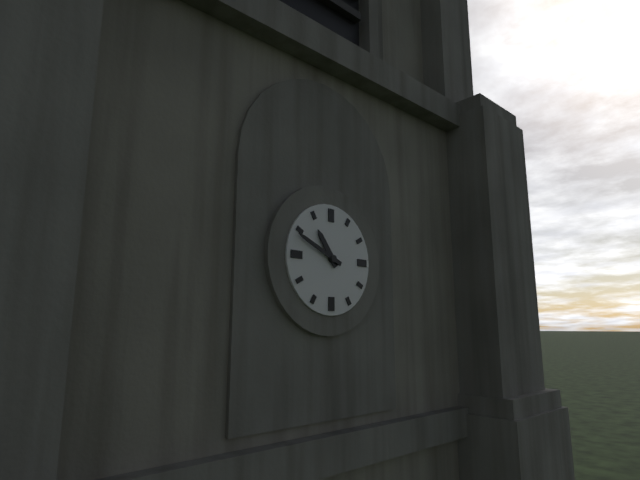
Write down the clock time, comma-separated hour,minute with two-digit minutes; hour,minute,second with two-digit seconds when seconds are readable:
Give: 10,49
